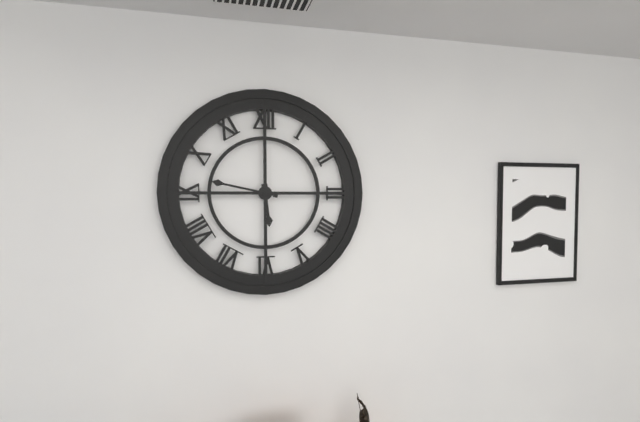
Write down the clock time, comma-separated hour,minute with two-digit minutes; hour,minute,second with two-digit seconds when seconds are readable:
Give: 5,47
